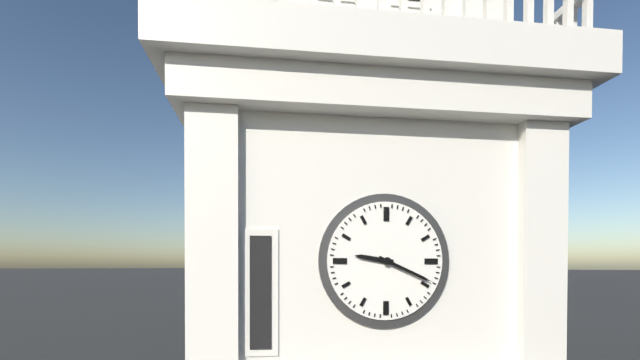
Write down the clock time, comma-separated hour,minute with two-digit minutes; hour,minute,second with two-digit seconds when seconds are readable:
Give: 9,19
